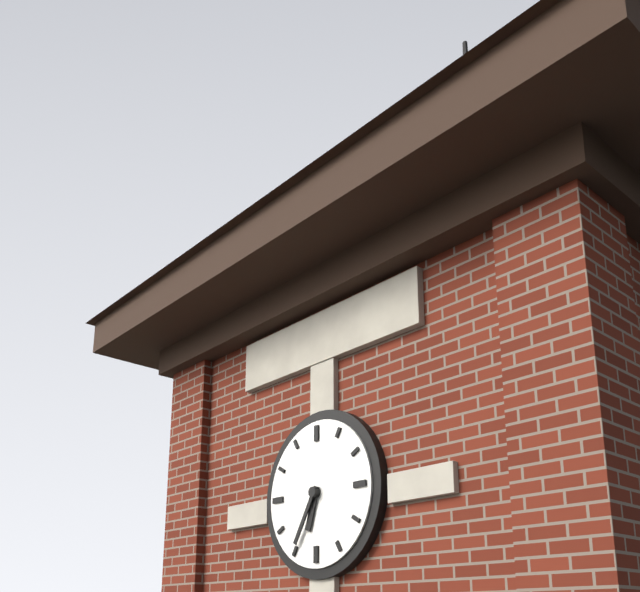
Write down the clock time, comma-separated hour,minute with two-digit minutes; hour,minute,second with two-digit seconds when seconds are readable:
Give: 6,35
